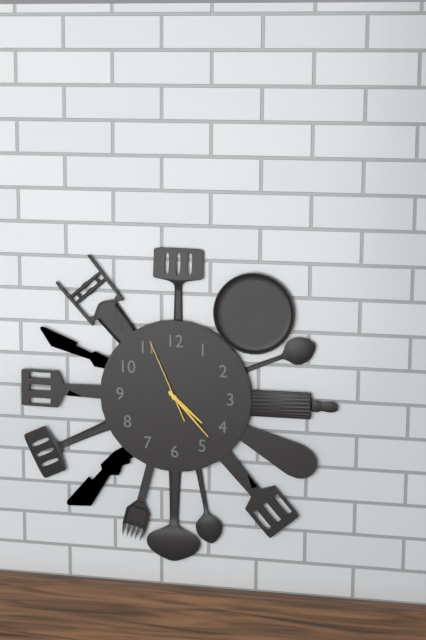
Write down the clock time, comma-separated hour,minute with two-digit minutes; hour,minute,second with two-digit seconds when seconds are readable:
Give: 4,23,56
